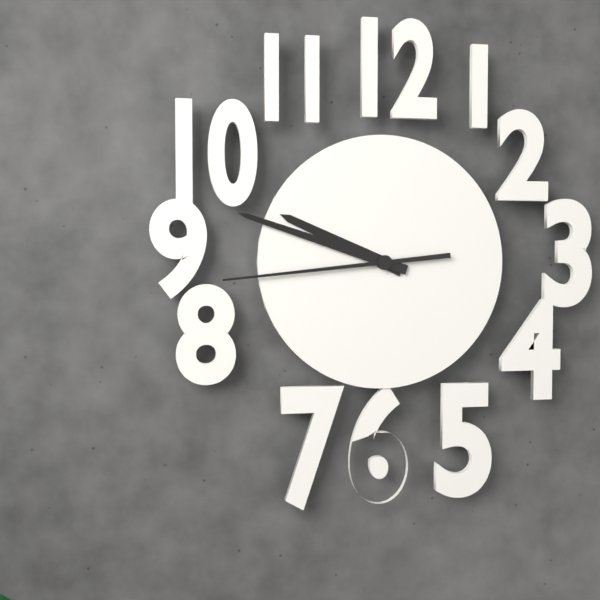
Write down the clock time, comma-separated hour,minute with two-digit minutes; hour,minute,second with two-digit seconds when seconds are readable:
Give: 9,48,44
